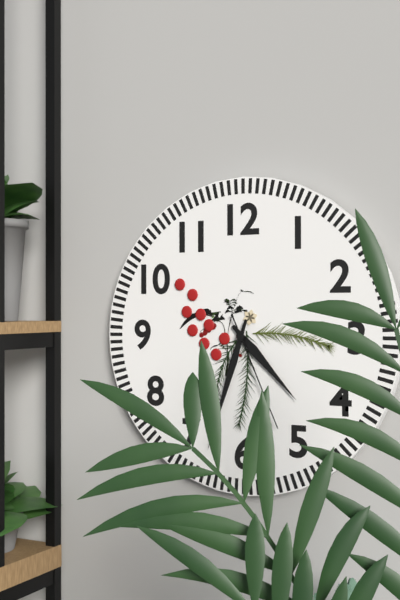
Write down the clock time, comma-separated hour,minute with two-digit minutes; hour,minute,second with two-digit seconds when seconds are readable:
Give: 4,33,26
